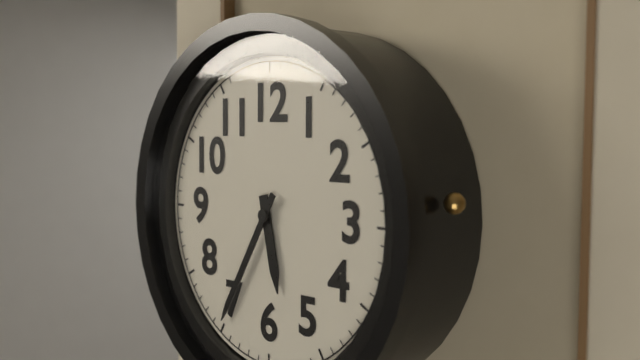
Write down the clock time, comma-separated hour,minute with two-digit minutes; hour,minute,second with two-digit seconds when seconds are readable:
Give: 5,35
